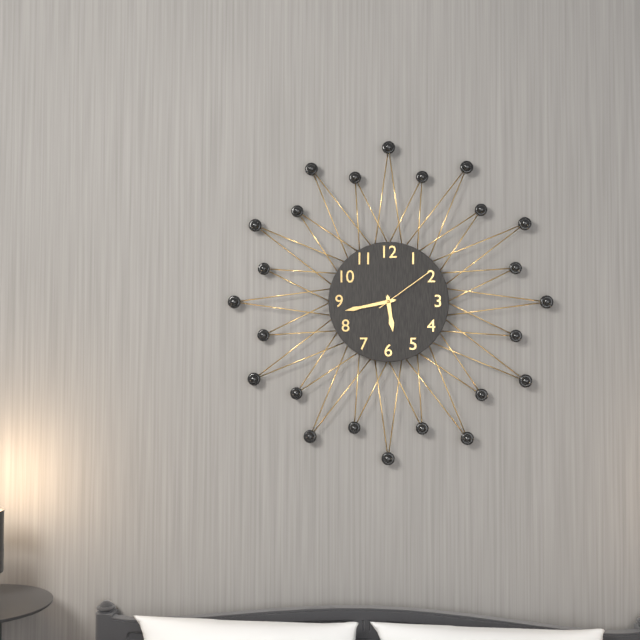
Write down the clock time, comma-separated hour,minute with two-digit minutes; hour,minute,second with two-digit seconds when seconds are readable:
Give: 5,43,09
